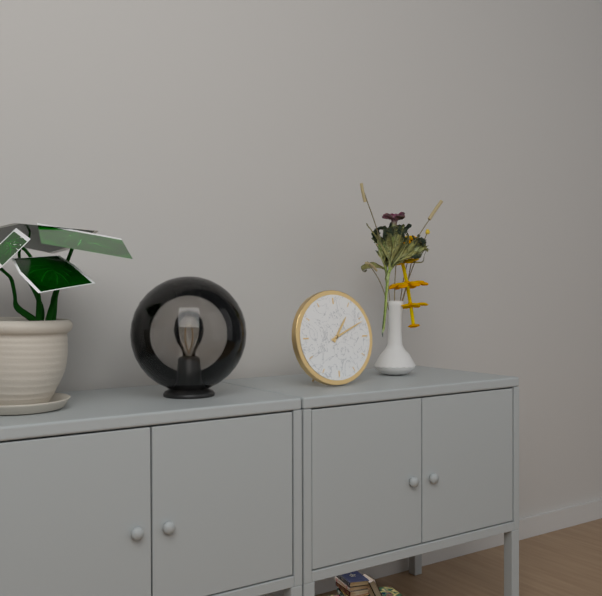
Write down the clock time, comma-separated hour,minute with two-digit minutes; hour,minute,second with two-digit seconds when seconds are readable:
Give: 1,11
